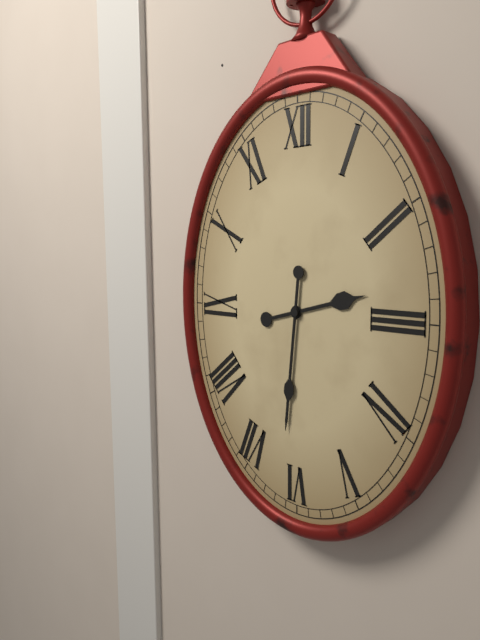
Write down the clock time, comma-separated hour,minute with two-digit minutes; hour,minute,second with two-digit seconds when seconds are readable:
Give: 2,31
